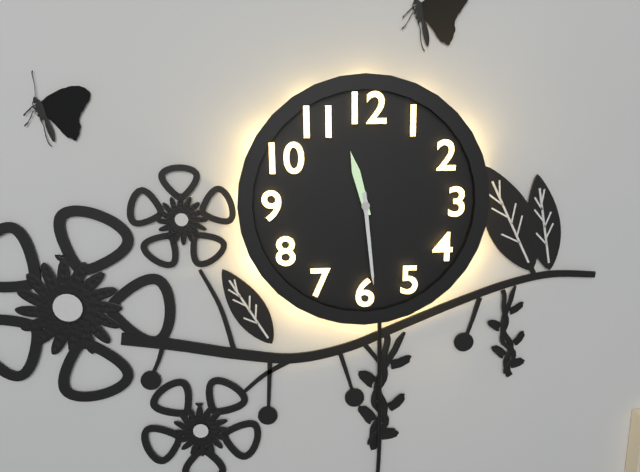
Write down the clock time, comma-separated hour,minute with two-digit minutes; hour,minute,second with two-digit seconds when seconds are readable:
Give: 11,29
